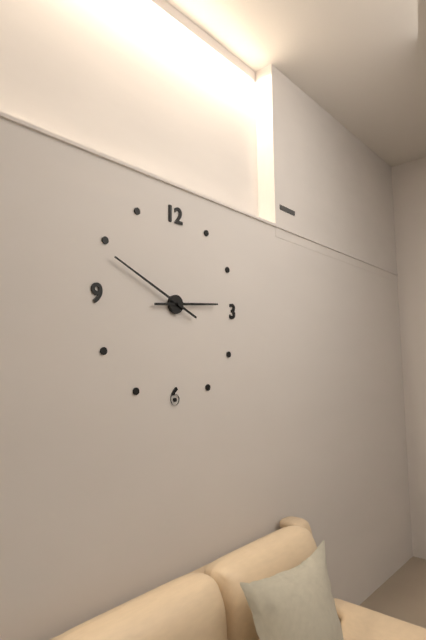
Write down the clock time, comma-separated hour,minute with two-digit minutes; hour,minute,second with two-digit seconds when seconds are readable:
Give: 2,49
